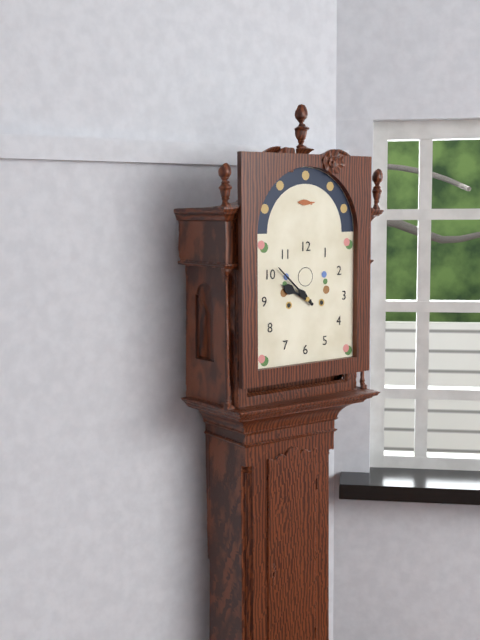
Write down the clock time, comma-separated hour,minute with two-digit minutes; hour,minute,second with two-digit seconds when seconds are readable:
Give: 9,52
